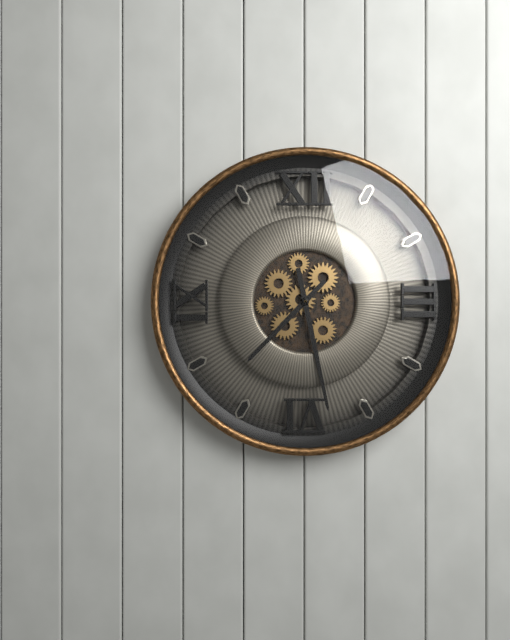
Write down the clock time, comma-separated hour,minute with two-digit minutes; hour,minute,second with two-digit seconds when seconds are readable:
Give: 7,28
